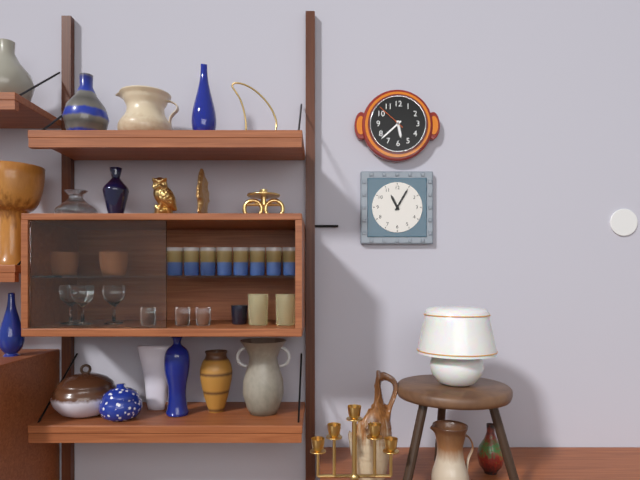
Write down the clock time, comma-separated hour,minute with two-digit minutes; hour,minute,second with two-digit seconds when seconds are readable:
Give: 5,38
